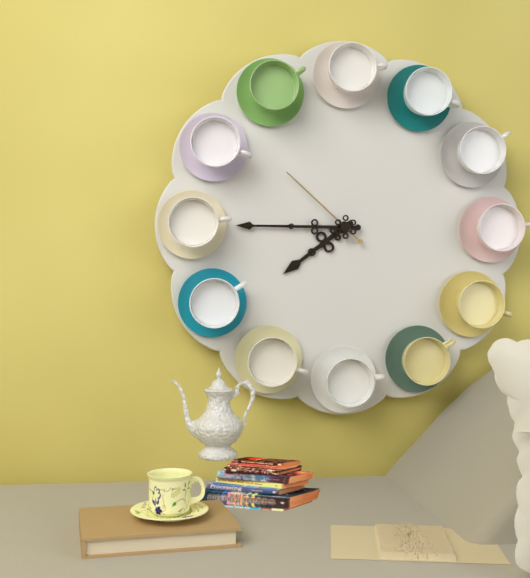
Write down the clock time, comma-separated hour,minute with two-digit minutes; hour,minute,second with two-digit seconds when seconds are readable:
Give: 7,45,52
